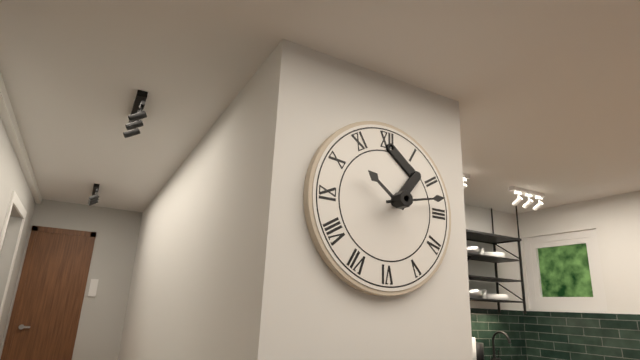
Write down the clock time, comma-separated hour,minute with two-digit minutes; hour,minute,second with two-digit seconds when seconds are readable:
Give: 10,13
